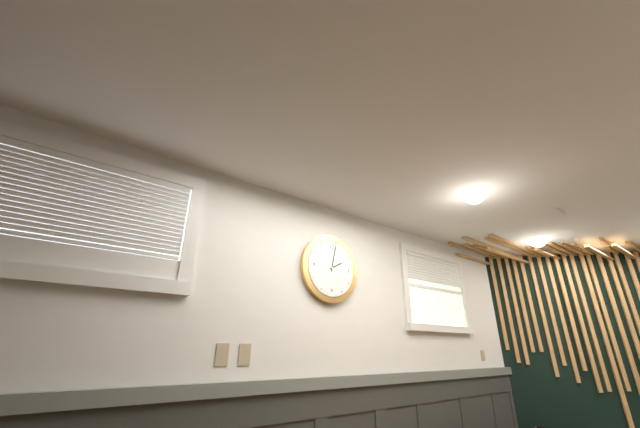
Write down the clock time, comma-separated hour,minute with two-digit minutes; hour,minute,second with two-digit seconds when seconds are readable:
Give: 2,02
